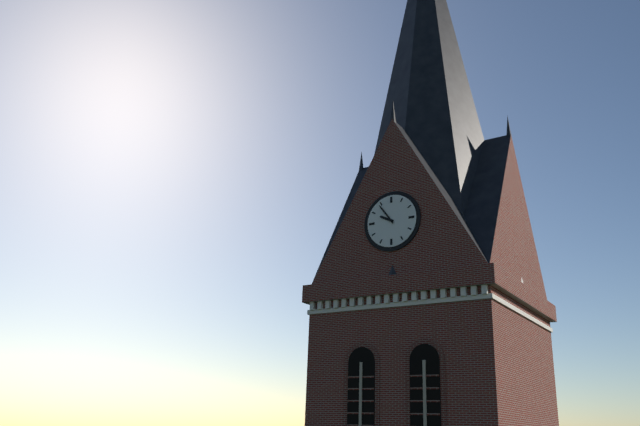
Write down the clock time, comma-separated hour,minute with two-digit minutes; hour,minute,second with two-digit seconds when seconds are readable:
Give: 9,54
